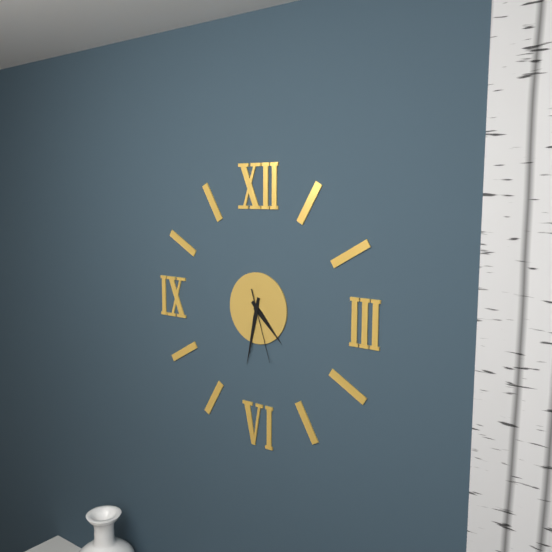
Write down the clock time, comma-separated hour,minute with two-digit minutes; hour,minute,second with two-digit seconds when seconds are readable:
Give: 4,32,27
